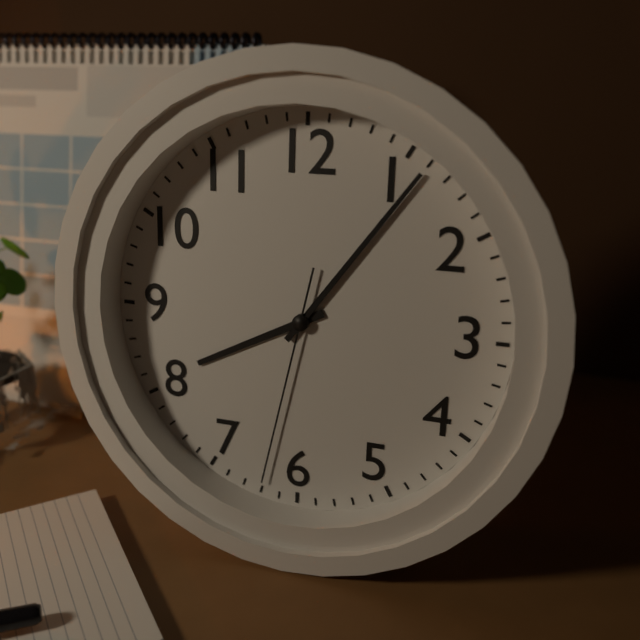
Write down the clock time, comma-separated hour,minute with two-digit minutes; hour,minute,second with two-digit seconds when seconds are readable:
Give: 8,06,32
